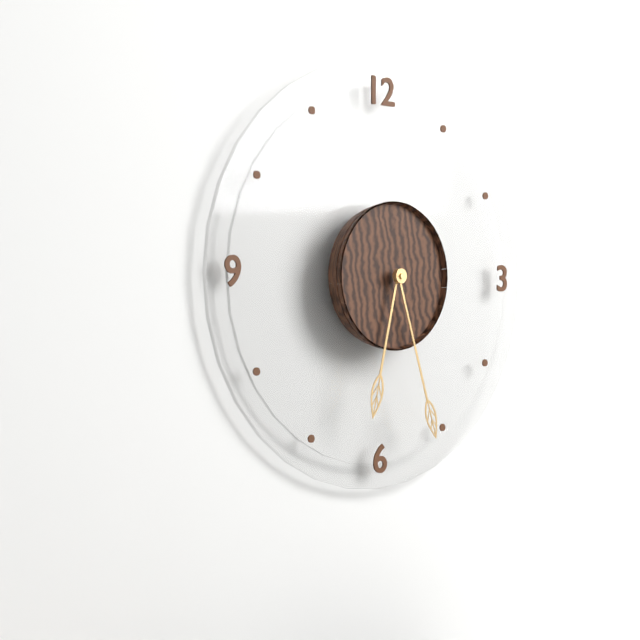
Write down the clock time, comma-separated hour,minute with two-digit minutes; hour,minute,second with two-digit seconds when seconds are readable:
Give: 6,27
